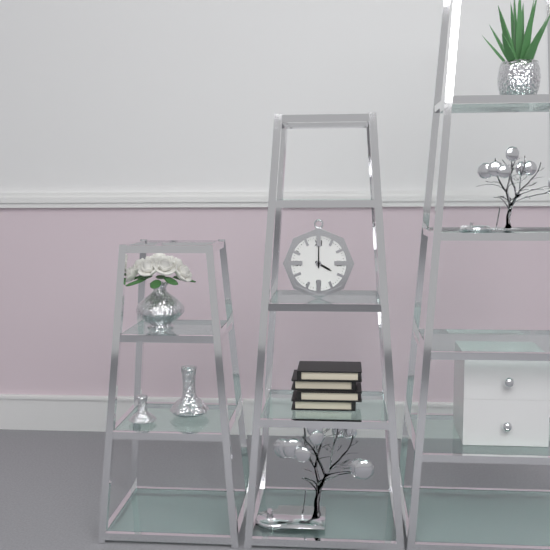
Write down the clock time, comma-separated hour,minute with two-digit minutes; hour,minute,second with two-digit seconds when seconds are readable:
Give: 4,00
